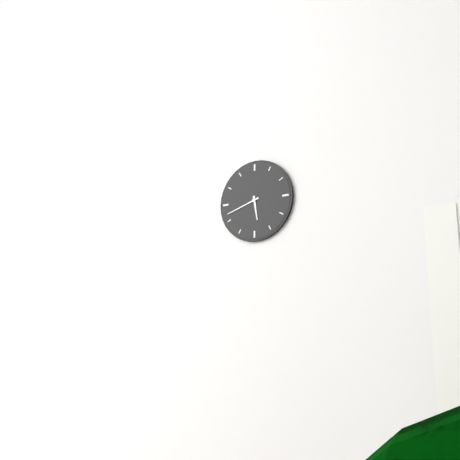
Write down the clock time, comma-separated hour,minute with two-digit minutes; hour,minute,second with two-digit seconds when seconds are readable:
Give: 5,42
